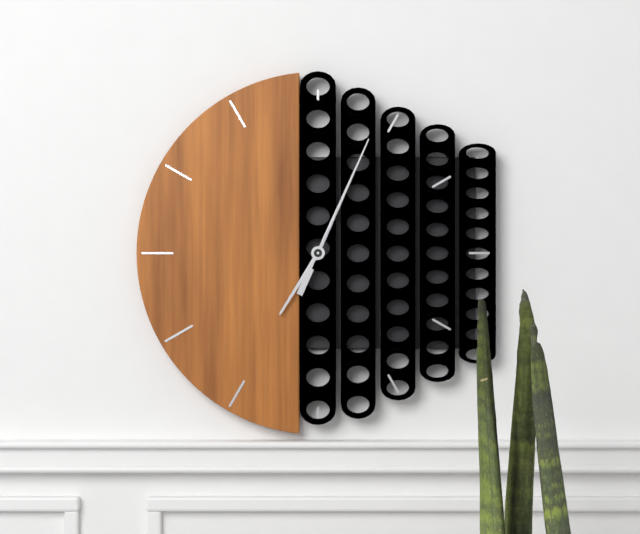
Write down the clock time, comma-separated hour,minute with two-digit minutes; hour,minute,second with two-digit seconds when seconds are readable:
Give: 7,04,04
